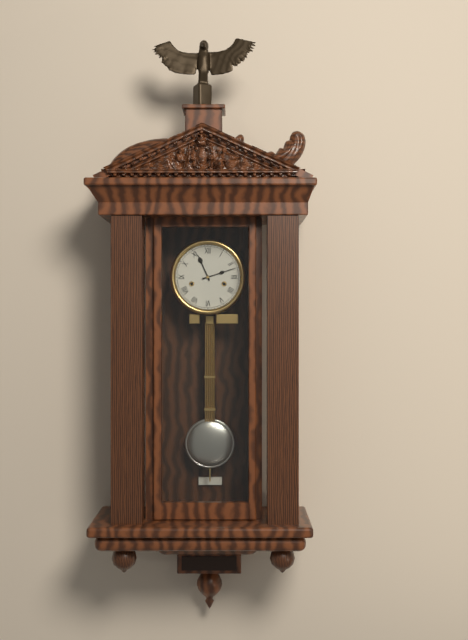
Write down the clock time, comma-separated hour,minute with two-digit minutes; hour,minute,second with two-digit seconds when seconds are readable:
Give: 11,12
